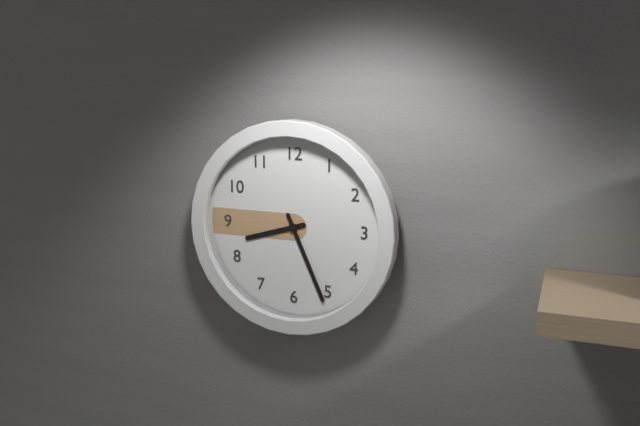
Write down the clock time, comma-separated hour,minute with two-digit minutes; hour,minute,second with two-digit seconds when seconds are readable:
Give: 8,26
